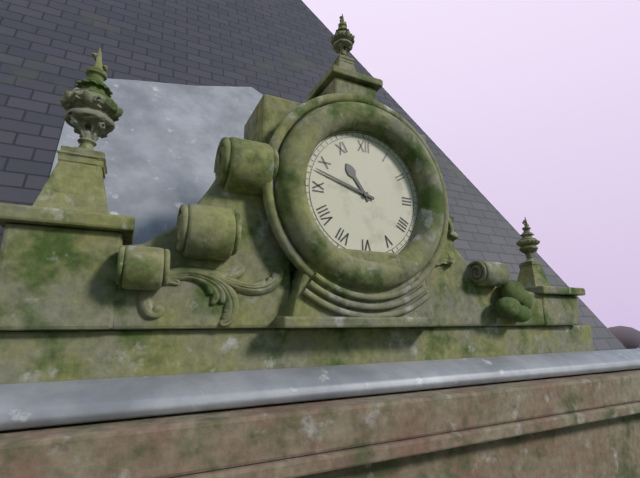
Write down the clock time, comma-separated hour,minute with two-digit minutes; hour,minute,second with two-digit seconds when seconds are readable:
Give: 10,48
